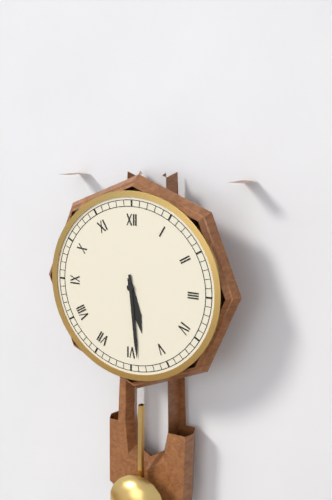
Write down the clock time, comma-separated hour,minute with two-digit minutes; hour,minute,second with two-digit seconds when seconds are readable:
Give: 5,29
